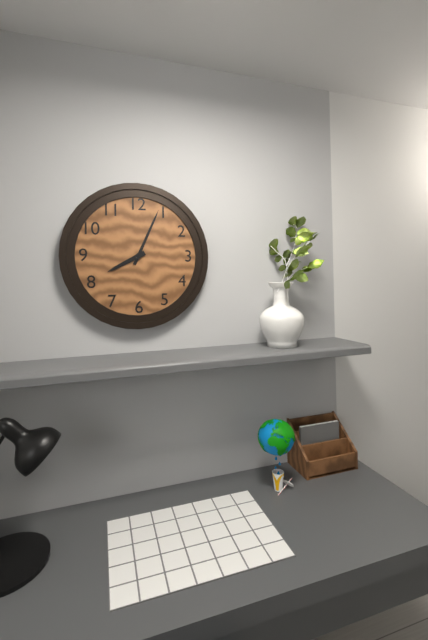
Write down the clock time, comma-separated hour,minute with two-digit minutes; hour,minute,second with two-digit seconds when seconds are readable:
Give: 8,04
